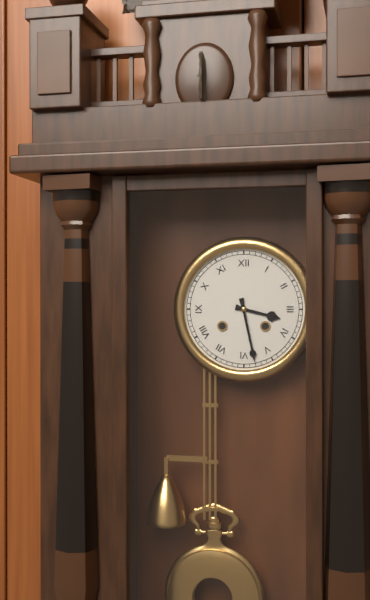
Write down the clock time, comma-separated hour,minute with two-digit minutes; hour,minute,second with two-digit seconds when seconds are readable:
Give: 3,28
